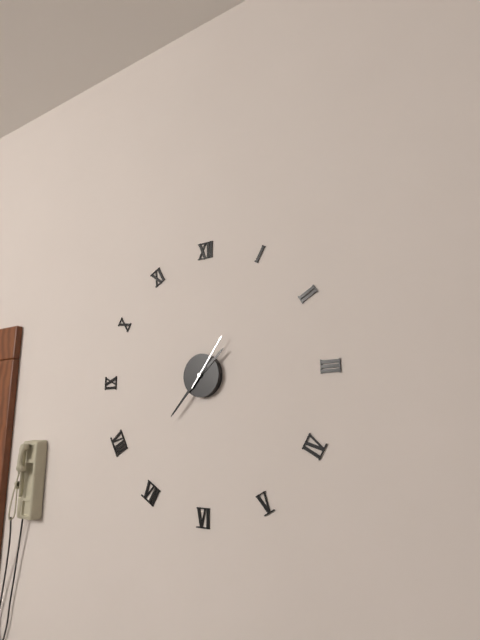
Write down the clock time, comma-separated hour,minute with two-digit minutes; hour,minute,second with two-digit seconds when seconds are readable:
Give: 1,37,06
